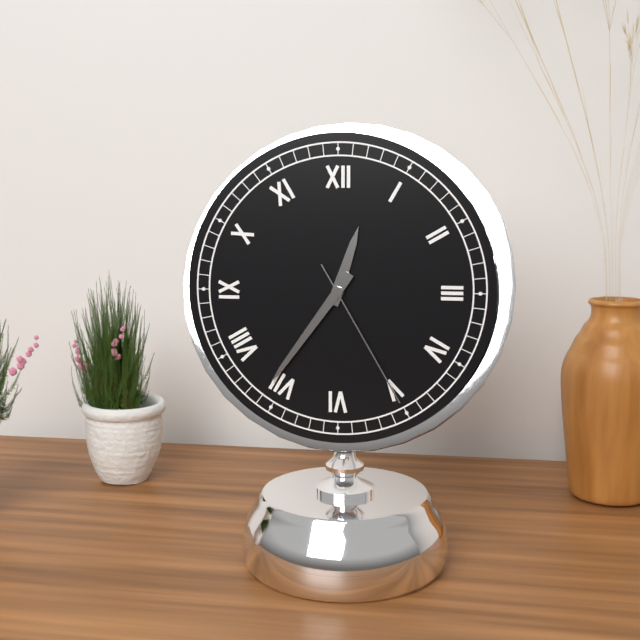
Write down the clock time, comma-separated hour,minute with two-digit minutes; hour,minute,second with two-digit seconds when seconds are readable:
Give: 12,36,25
